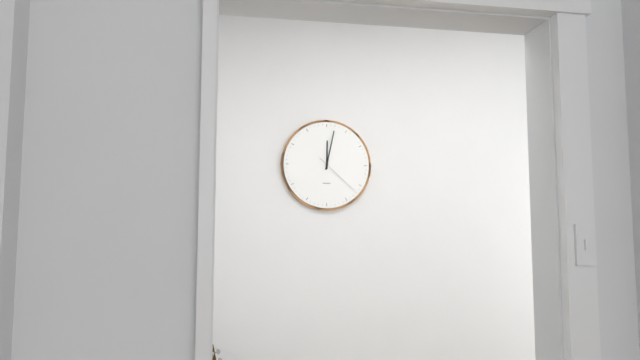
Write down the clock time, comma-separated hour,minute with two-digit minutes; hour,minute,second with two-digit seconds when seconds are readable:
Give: 12,02
